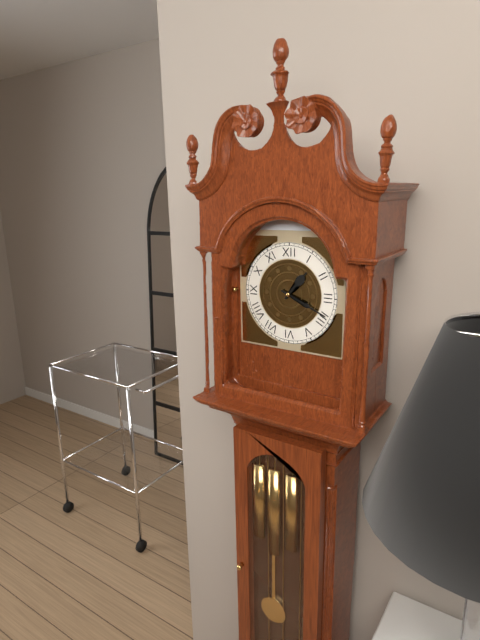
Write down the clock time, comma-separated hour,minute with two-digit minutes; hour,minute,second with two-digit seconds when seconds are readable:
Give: 1,19
